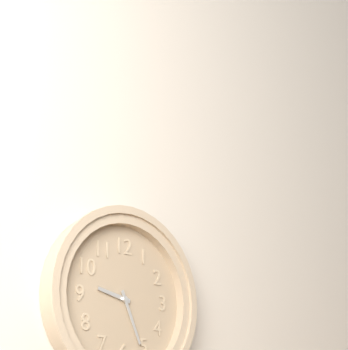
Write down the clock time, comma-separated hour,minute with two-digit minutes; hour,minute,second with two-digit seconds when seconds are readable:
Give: 9,26
